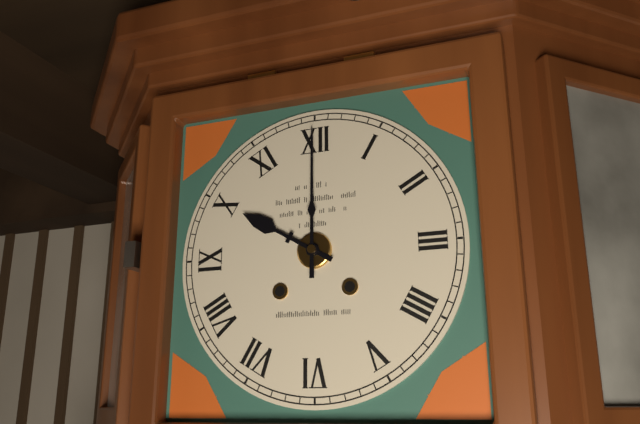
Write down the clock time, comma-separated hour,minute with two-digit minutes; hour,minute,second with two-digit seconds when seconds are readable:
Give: 10,00
